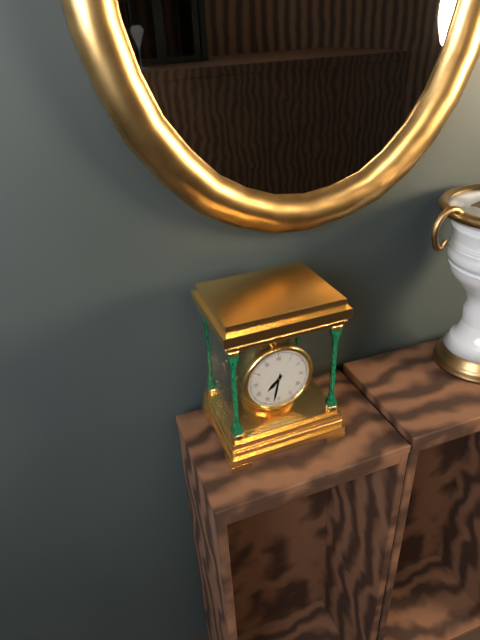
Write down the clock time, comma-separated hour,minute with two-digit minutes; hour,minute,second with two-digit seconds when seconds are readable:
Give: 7,32
